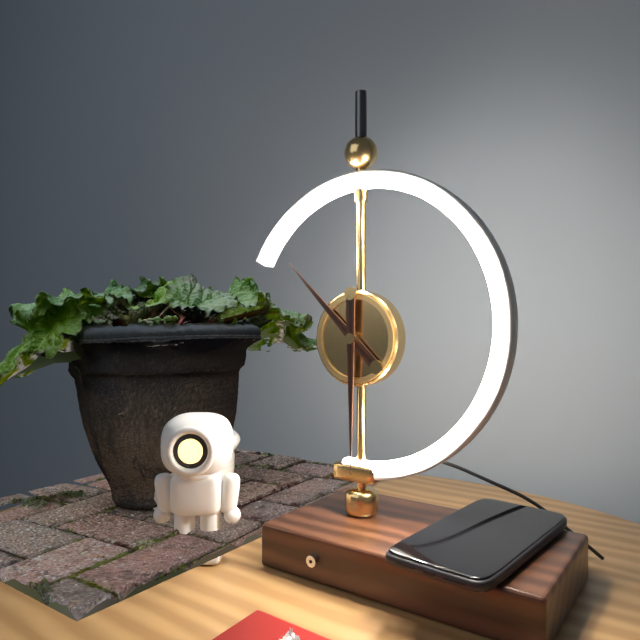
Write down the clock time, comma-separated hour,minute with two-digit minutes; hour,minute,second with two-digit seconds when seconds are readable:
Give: 10,30
